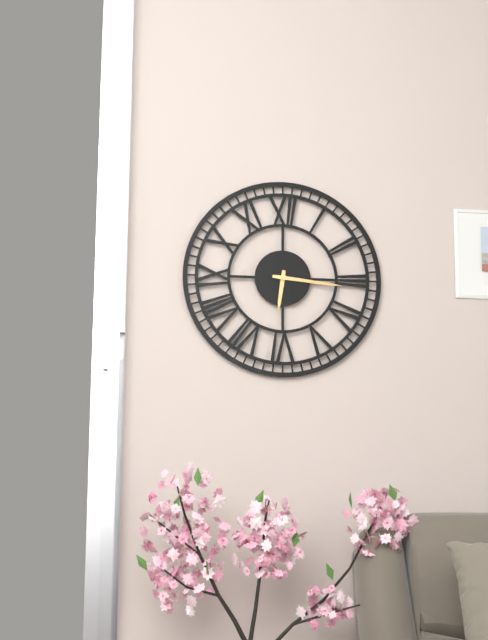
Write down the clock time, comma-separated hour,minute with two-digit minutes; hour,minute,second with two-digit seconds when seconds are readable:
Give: 6,16
